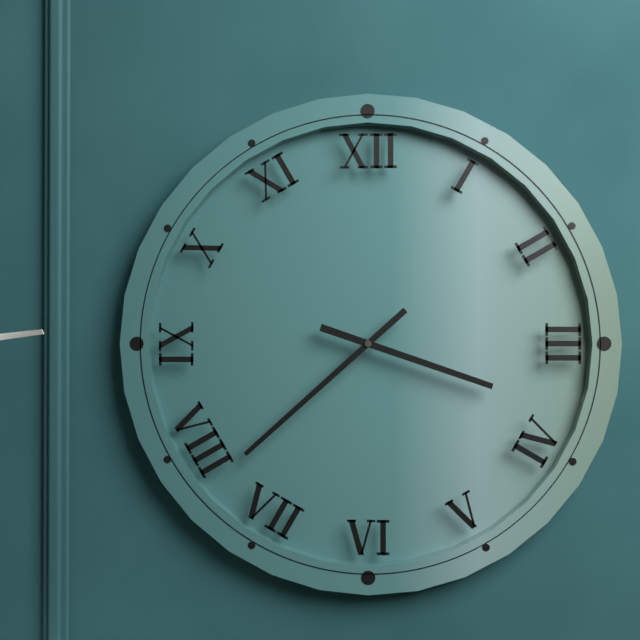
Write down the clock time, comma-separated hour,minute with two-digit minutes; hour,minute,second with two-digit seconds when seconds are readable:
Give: 3,38
